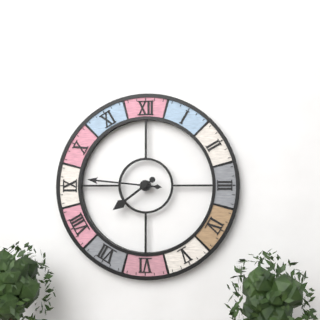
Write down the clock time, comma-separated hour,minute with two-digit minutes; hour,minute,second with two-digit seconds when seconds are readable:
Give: 7,46
